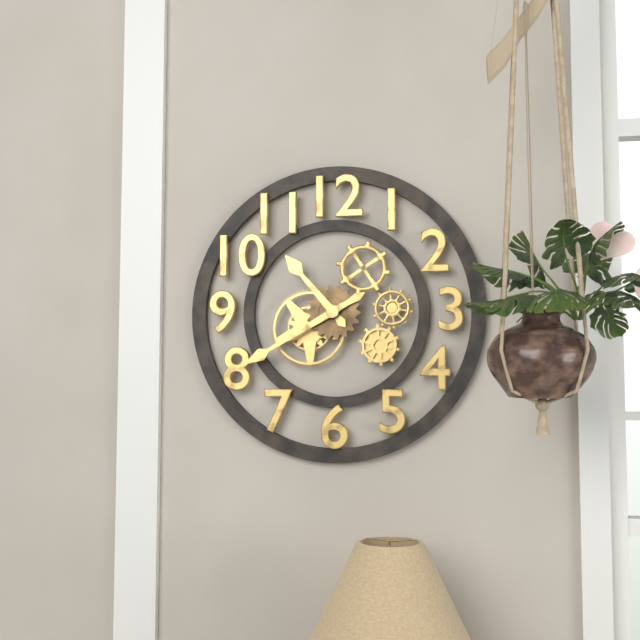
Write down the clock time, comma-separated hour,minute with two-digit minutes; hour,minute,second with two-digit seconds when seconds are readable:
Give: 10,40
